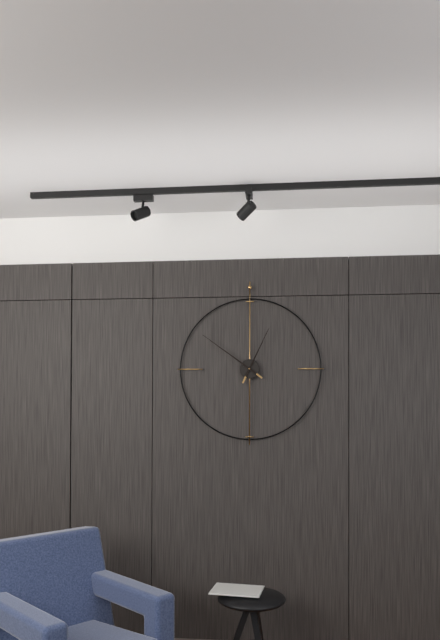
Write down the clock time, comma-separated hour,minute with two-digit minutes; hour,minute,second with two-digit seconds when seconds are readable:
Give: 12,51
